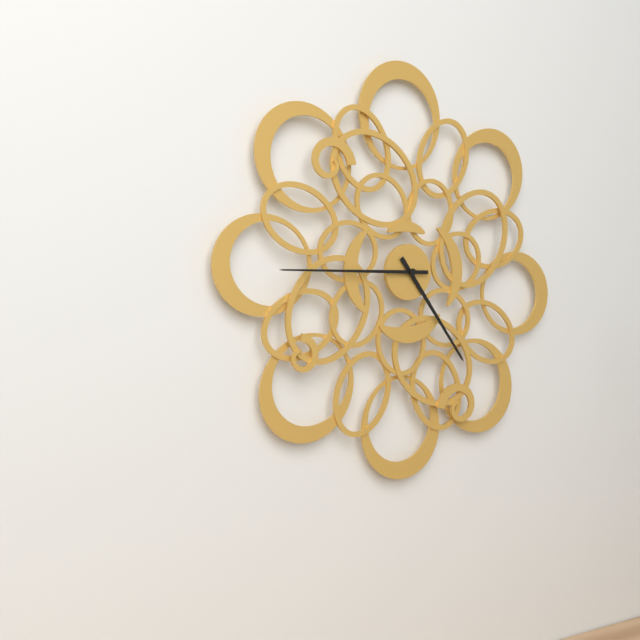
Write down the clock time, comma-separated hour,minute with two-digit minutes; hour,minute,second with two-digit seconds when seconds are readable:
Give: 4,45
